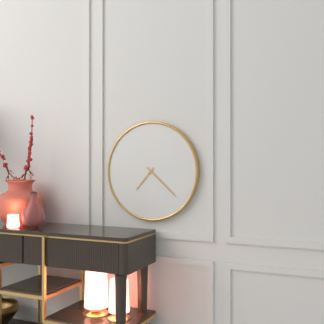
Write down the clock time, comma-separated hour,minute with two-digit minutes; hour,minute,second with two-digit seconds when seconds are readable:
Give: 7,22
